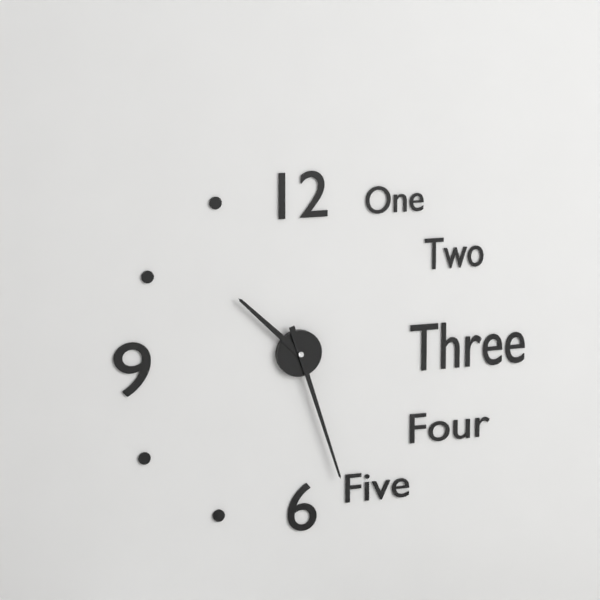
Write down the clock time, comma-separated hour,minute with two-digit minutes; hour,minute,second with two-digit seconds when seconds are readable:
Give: 10,27
